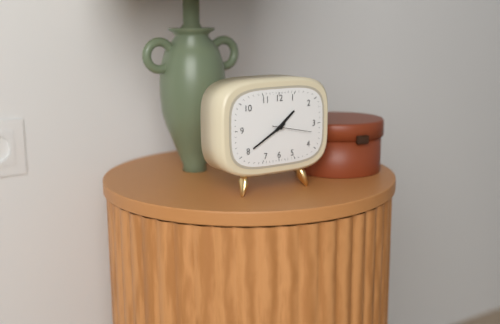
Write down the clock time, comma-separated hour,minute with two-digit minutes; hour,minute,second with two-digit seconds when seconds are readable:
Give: 1,40
